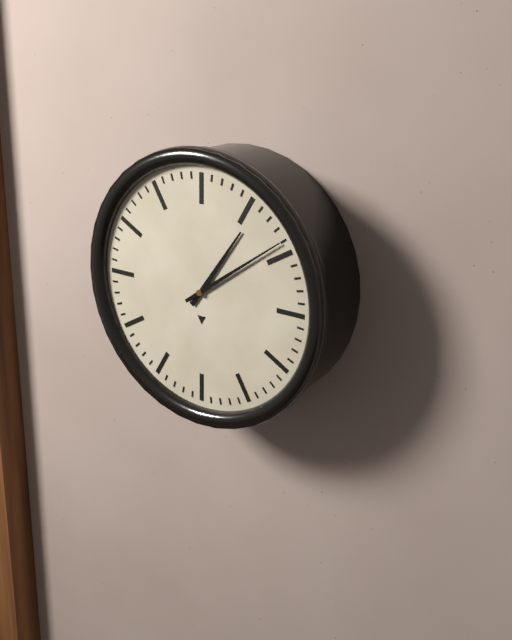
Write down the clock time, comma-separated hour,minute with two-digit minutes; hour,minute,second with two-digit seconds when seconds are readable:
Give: 1,09
